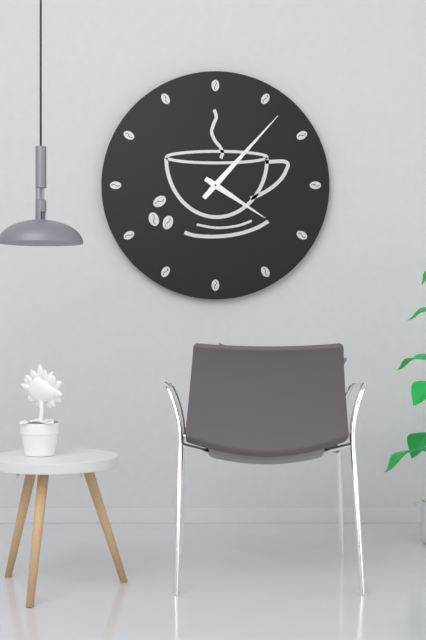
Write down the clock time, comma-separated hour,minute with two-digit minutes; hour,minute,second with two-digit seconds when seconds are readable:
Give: 4,07
